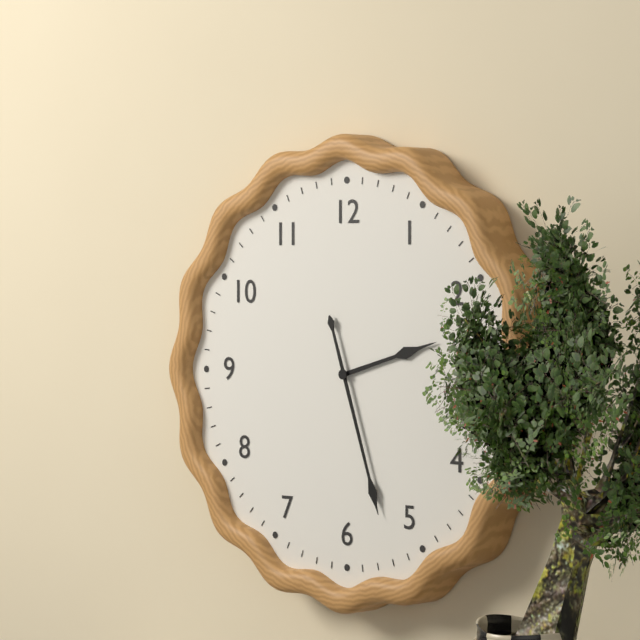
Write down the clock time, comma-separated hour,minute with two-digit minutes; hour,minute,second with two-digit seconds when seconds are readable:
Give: 2,27
